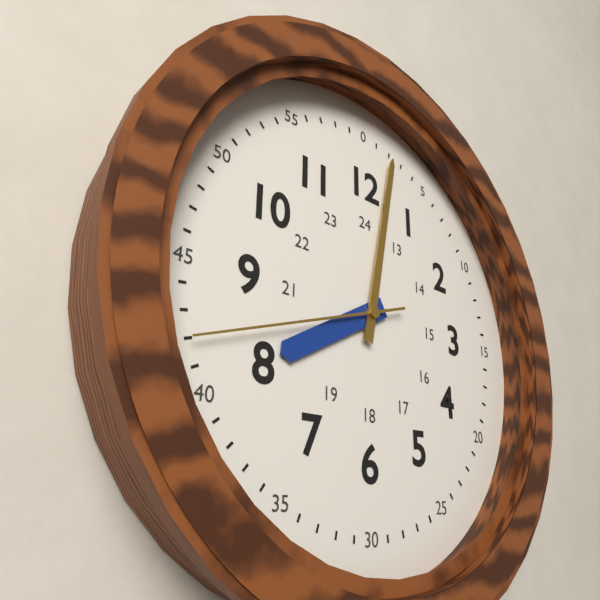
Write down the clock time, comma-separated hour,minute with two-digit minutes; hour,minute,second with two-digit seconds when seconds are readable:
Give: 8,02,42
